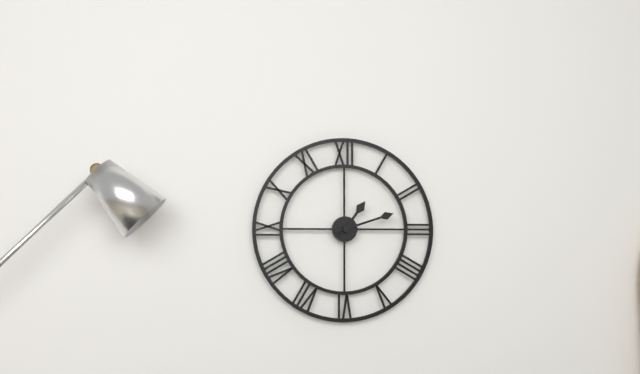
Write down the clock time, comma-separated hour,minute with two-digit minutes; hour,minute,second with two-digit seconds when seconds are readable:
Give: 1,12
